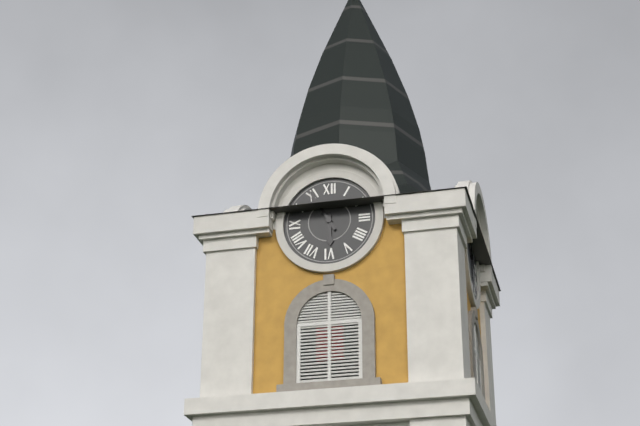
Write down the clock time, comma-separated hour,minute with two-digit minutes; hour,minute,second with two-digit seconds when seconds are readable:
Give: 5,55
